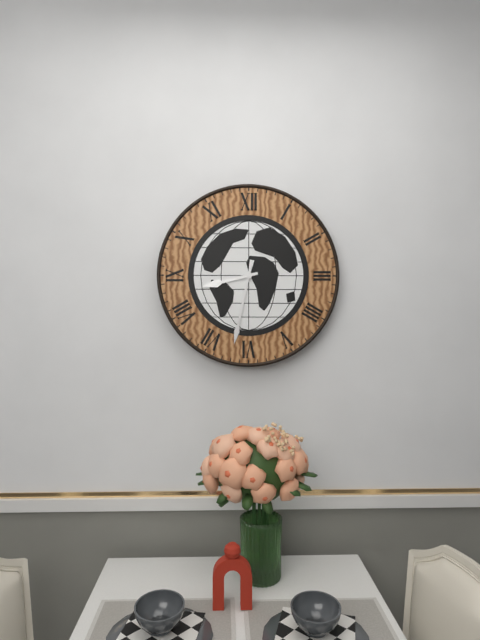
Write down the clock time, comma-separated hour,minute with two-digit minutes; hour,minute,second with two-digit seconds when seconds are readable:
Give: 8,32
